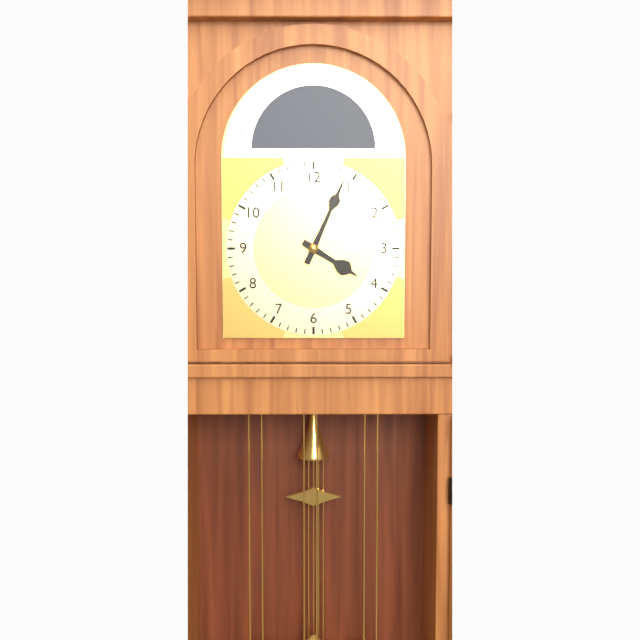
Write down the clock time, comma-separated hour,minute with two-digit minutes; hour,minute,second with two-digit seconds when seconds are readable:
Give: 4,04
